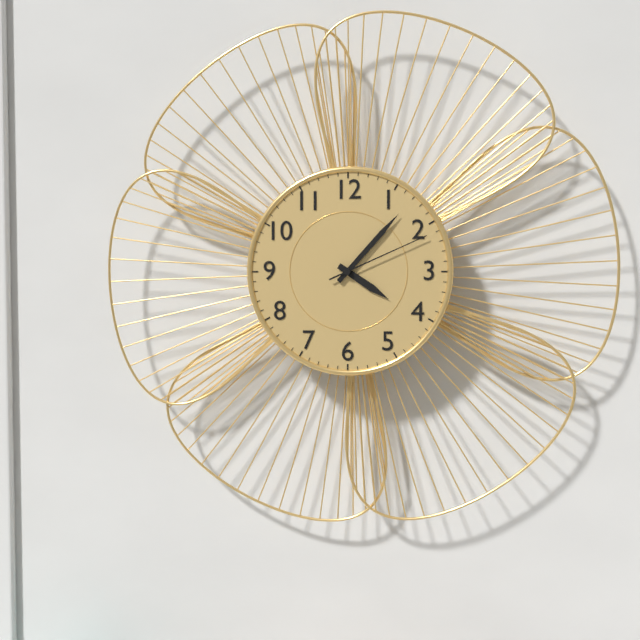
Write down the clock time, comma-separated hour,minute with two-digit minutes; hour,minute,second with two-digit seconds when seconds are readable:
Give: 4,07,11
